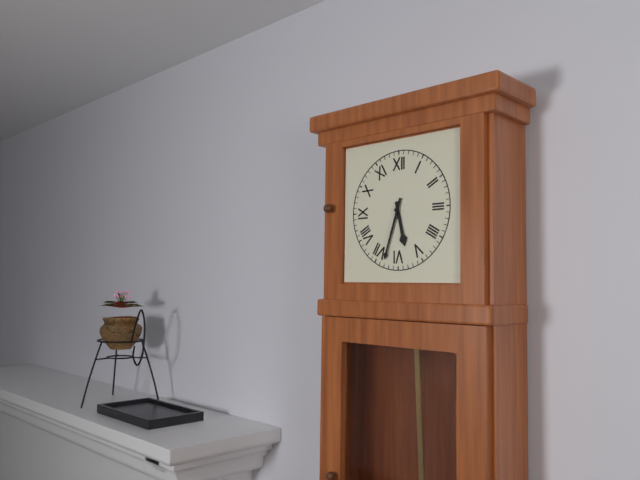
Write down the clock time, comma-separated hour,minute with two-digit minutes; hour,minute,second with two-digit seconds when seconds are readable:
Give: 5,33
